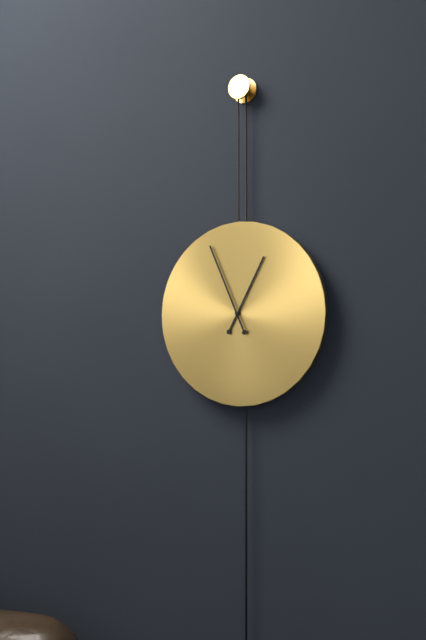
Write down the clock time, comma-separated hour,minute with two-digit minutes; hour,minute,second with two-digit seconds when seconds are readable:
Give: 12,56
